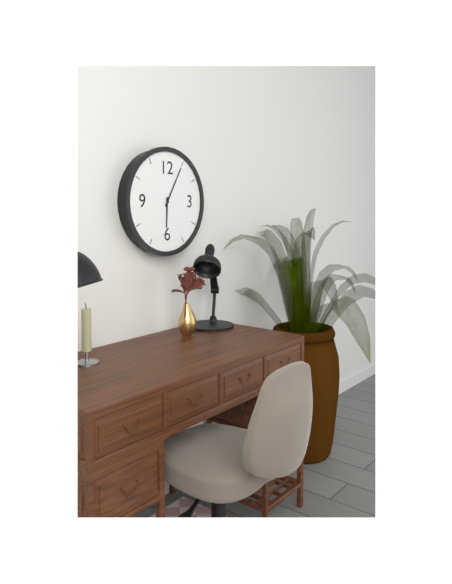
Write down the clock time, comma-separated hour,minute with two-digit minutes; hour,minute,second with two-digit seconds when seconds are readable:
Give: 6,05
